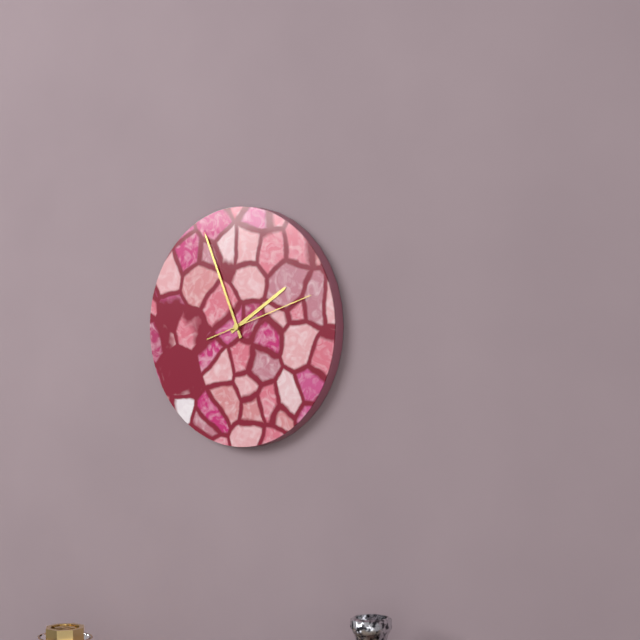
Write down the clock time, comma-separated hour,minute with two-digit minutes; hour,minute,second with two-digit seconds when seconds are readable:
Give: 1,56,12
